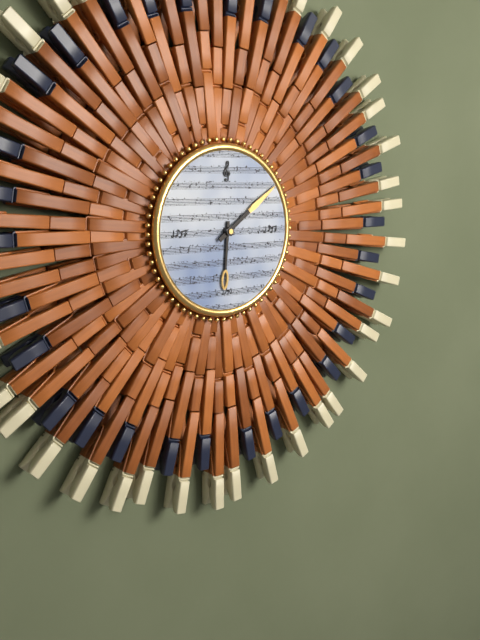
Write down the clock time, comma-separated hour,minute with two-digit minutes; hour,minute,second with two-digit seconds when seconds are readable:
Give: 6,09
